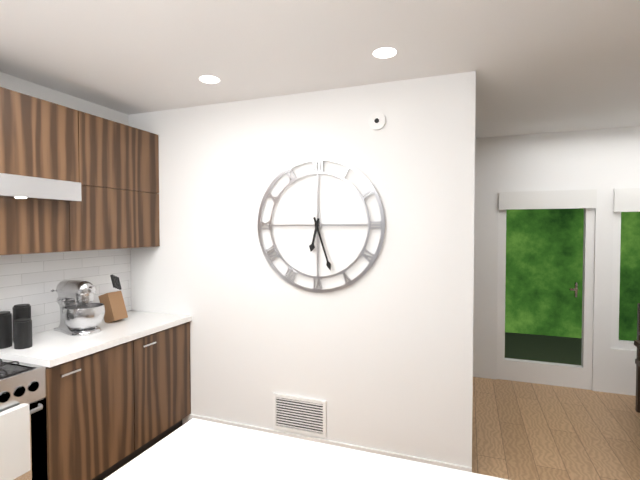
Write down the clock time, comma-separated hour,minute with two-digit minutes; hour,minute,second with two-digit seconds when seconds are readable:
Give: 6,27
